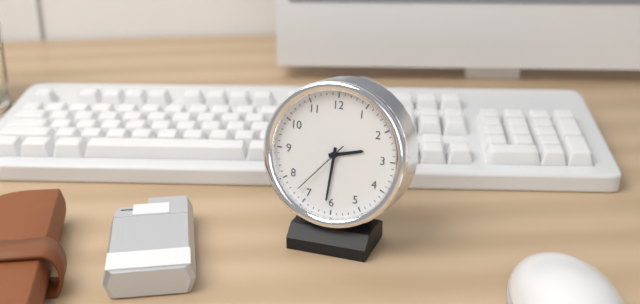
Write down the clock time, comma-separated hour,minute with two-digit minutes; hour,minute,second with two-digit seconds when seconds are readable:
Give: 2,31,37
